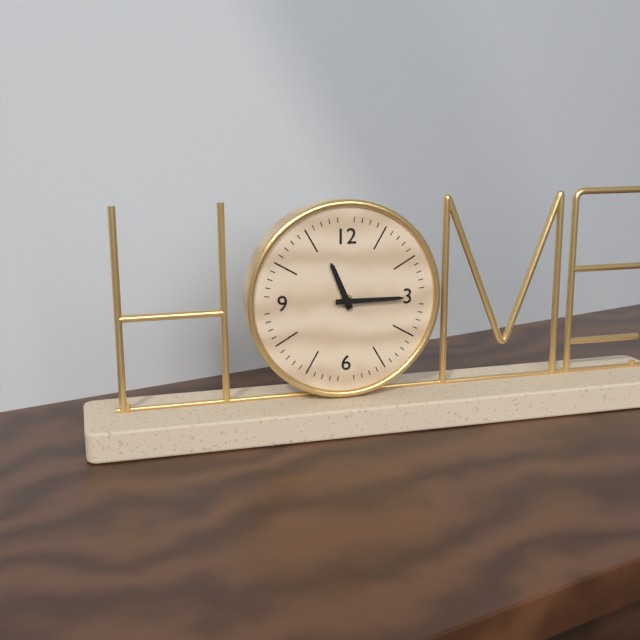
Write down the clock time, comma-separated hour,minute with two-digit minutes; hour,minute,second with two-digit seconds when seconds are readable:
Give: 11,15
